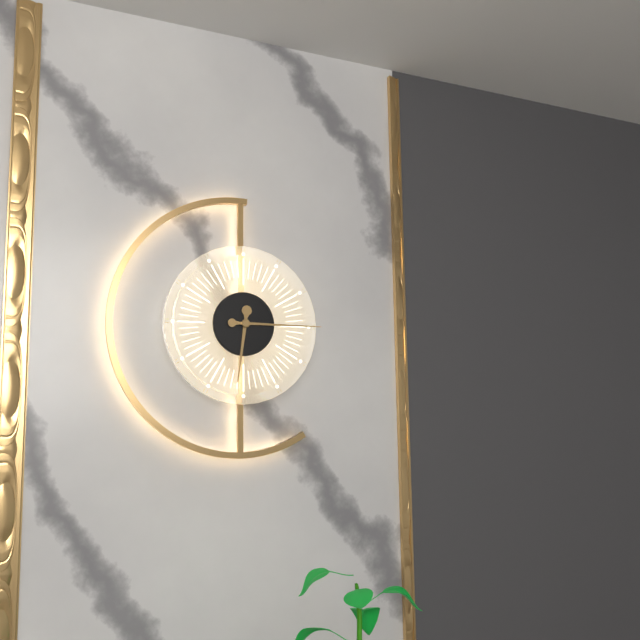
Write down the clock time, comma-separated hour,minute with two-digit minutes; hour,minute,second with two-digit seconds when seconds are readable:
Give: 6,15
